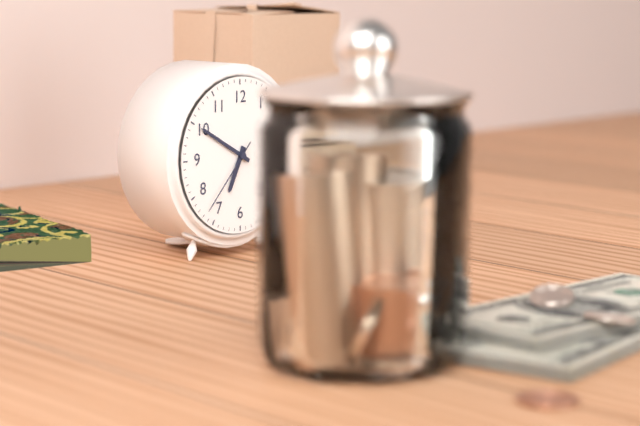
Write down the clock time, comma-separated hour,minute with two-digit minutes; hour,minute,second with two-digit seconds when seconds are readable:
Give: 6,50,37
